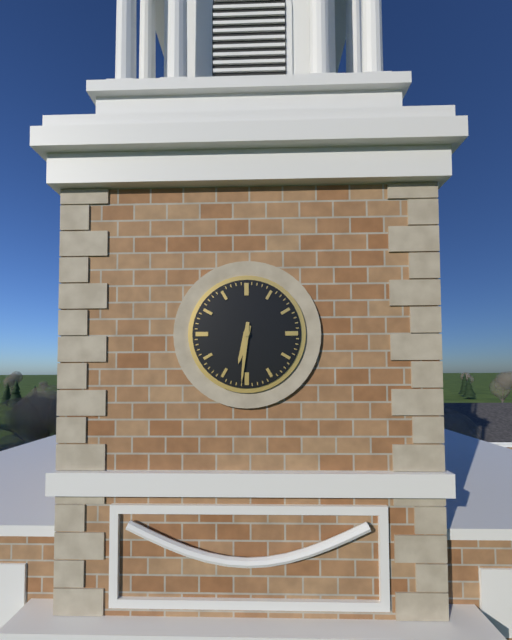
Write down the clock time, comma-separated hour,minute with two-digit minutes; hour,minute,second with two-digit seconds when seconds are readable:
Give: 6,31
